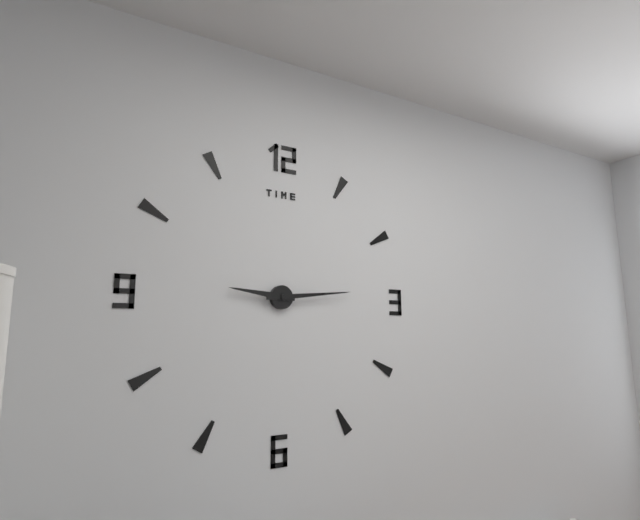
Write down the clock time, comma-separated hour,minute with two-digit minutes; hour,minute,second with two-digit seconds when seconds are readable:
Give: 9,14
